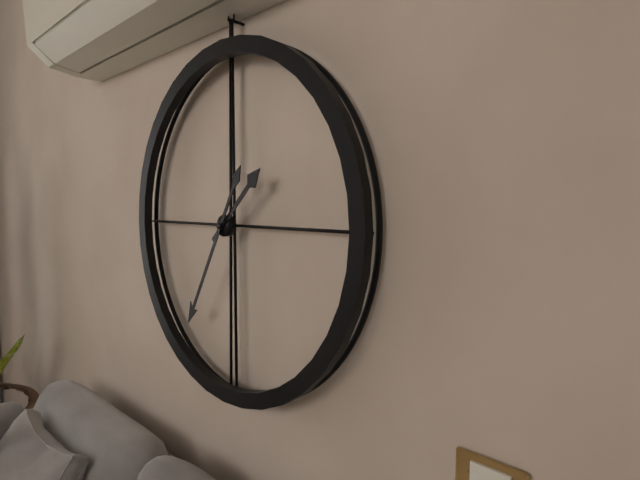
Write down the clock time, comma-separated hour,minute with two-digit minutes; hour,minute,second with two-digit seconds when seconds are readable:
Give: 1,35
